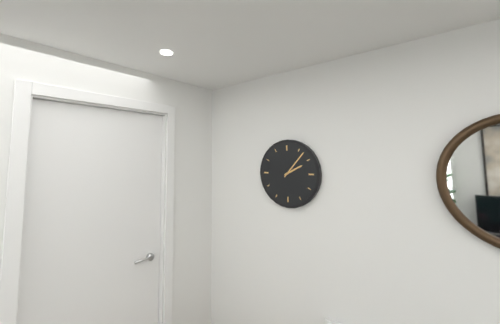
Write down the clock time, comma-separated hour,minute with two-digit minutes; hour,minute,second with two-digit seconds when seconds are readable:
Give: 2,07
